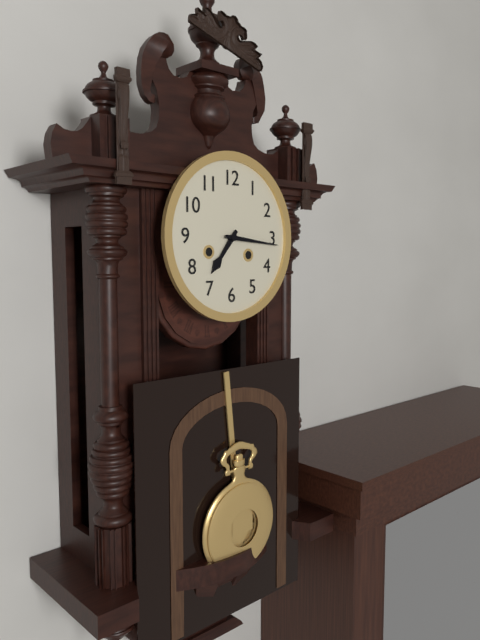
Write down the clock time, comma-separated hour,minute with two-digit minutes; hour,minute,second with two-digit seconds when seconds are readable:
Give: 7,16
